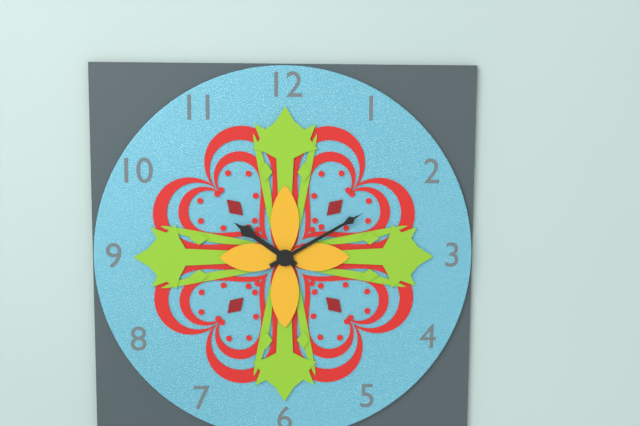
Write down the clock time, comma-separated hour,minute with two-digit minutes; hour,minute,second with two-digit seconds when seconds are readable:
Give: 10,10
